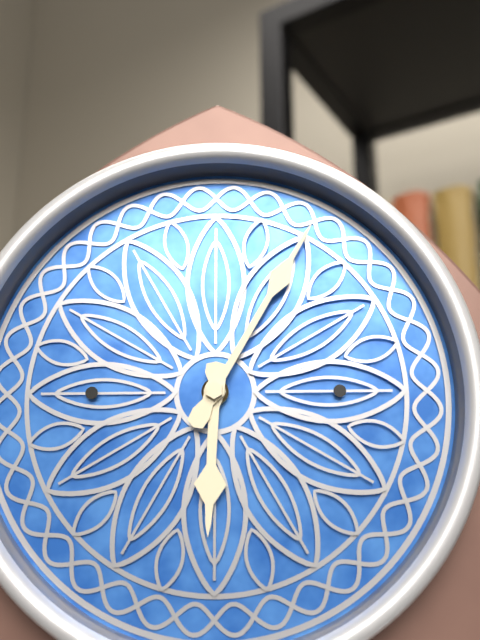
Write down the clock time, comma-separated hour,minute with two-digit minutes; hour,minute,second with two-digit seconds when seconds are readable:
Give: 6,05
